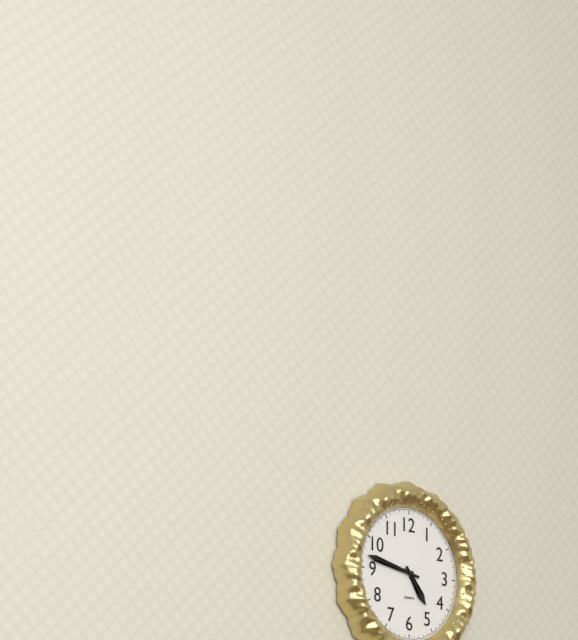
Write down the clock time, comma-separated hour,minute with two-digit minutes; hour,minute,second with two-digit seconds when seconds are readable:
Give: 4,47
